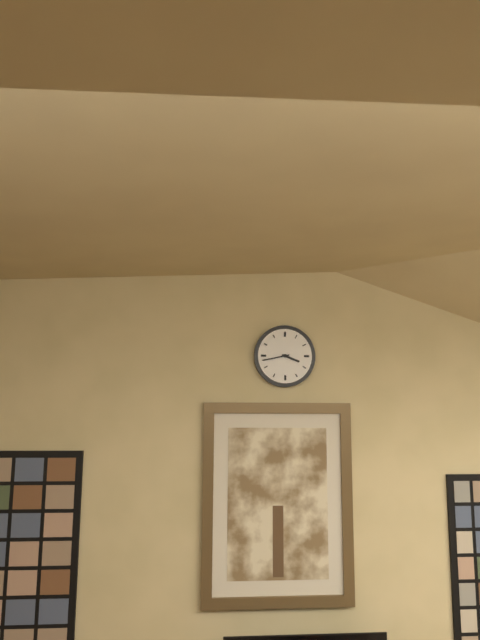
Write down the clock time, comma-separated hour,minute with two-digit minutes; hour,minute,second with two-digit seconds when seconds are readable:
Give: 3,43
